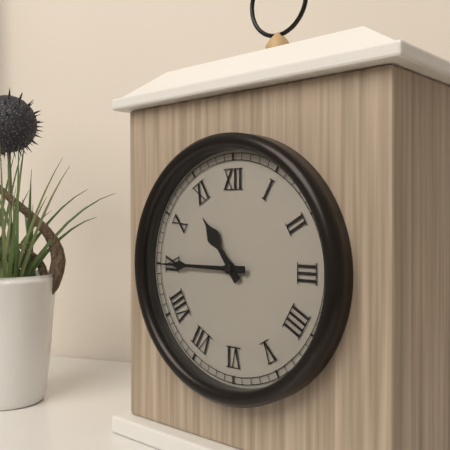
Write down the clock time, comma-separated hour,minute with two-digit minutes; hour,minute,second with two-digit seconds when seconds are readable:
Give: 10,45
